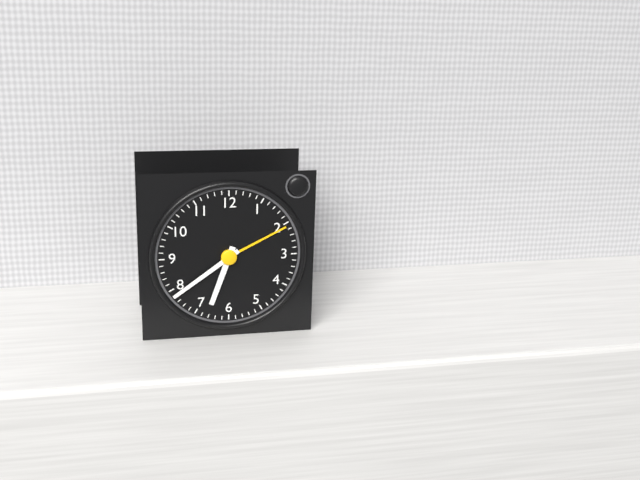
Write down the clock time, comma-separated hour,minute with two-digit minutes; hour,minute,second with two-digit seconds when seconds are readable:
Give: 6,39
